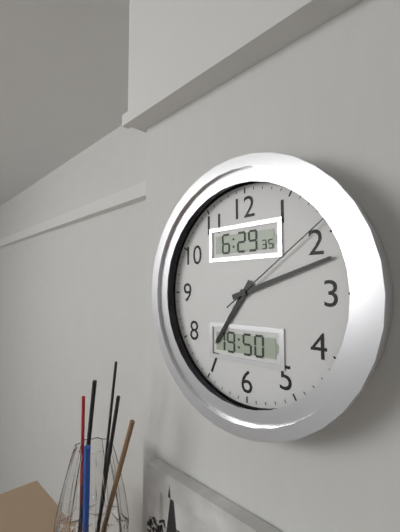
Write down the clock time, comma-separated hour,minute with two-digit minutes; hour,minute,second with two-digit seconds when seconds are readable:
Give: 7,12,09
